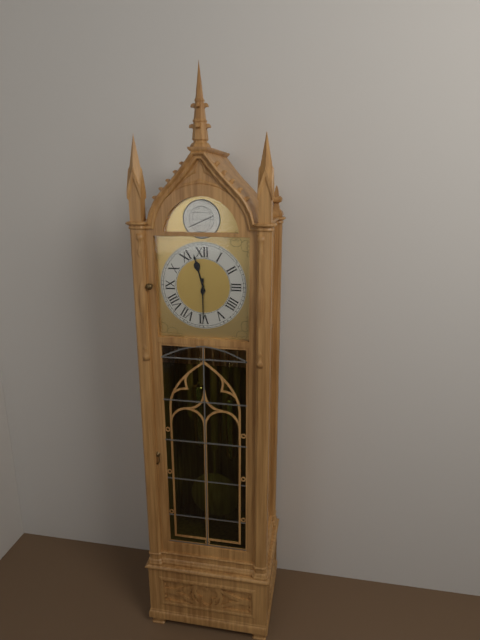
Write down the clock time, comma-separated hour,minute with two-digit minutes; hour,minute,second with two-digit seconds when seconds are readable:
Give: 11,30
